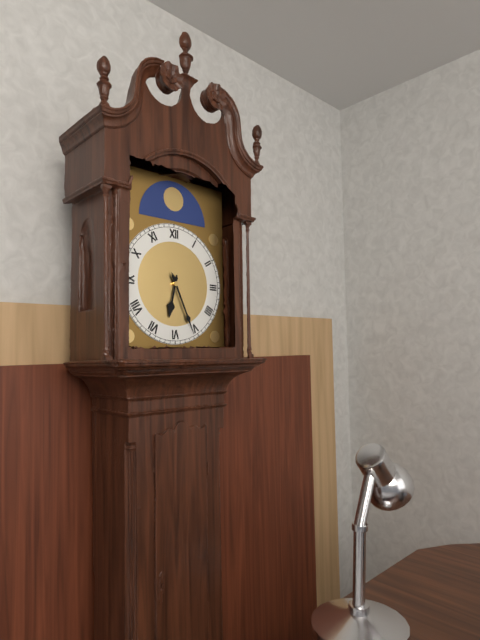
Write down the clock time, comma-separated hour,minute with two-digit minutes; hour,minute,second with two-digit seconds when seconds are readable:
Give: 6,26
